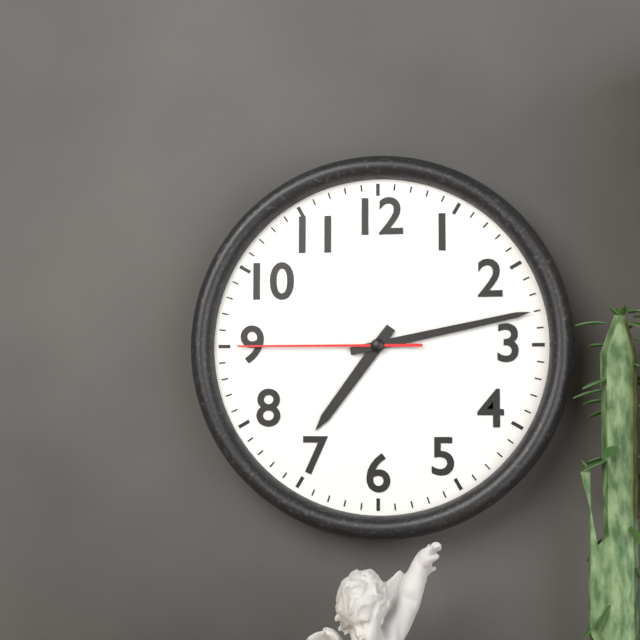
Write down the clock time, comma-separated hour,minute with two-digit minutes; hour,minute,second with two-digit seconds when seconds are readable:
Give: 7,13,45
